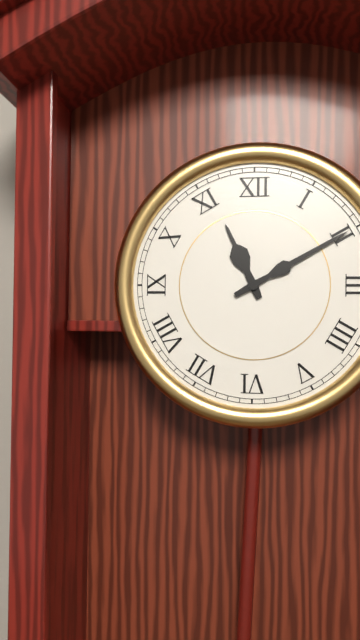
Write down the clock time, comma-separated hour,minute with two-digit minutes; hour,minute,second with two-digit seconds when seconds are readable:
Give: 11,10
